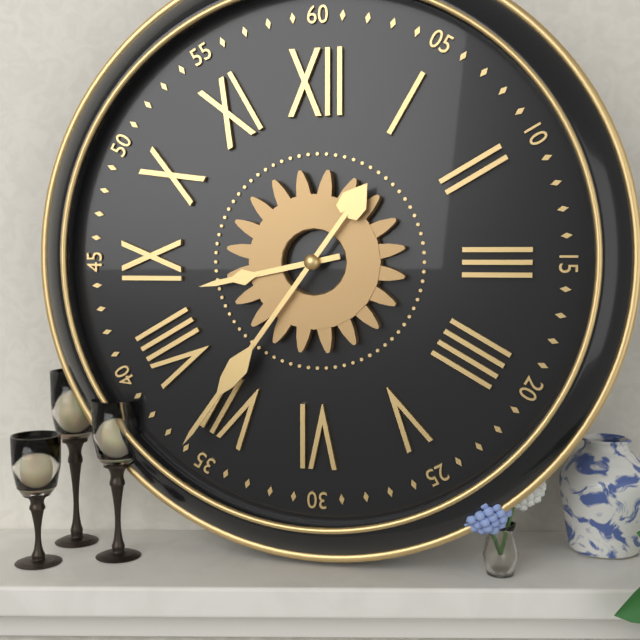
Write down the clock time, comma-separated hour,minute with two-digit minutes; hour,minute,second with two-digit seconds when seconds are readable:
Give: 8,36
